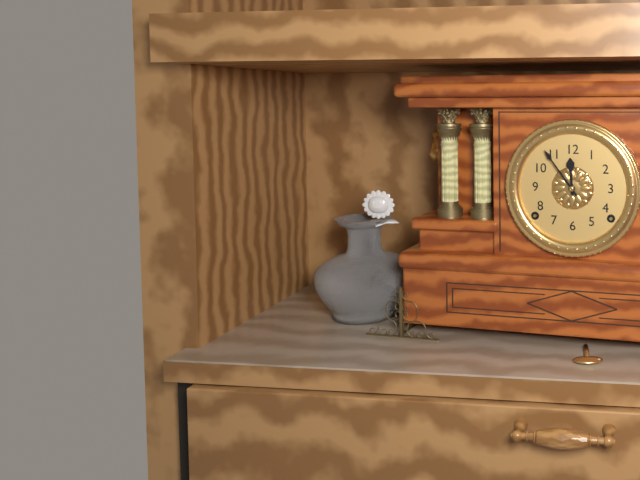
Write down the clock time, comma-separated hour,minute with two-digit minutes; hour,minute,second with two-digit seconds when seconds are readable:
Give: 11,54
